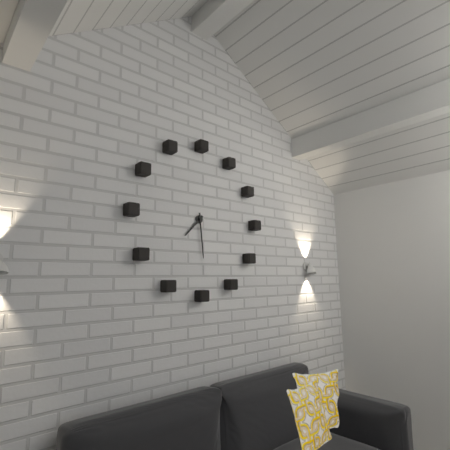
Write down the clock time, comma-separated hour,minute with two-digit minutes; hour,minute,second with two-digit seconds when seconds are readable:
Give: 7,29
